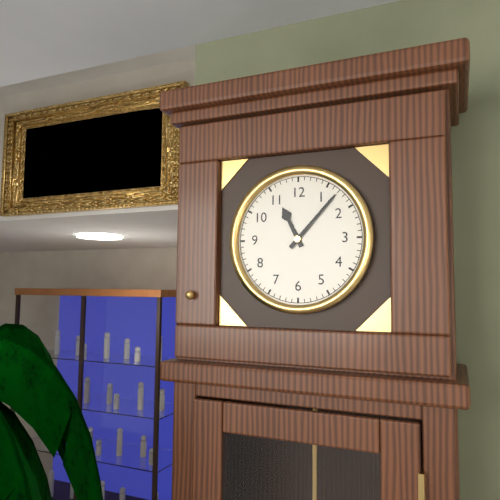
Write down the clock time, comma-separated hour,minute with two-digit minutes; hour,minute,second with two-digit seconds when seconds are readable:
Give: 11,07
